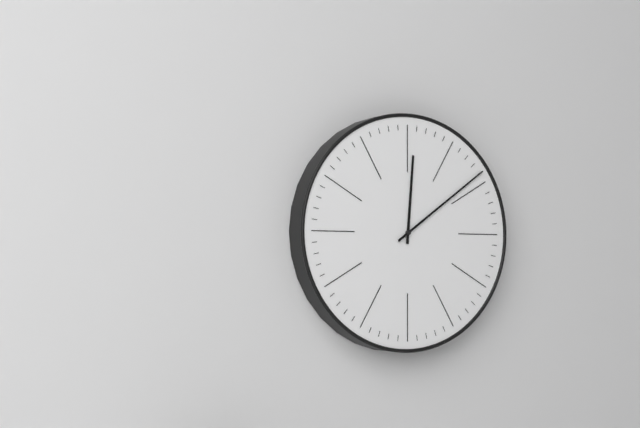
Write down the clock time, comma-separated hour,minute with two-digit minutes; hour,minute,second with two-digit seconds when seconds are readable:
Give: 12,09
